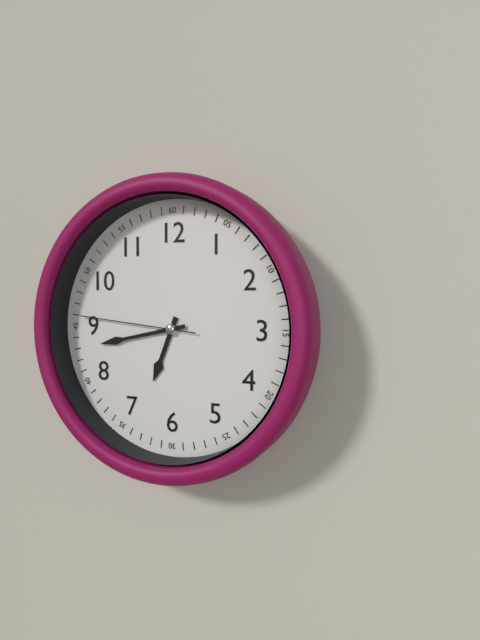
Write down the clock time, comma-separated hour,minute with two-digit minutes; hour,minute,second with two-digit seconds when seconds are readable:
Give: 6,43,46
